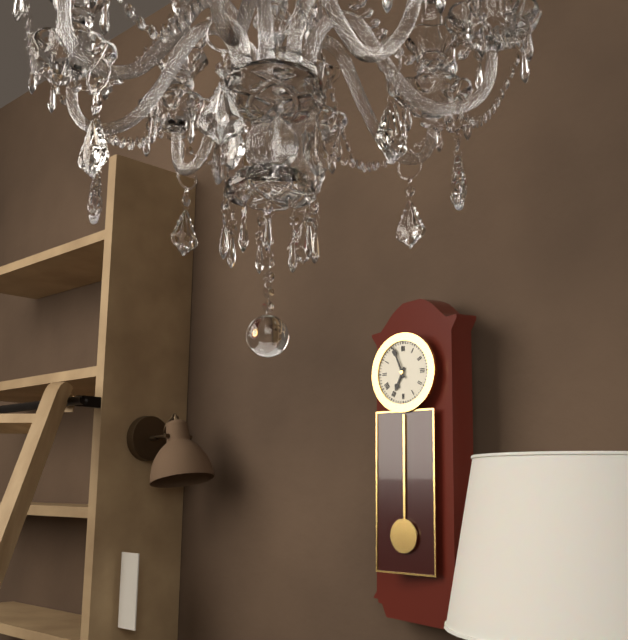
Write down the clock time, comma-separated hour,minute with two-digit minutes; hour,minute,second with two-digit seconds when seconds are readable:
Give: 6,56
